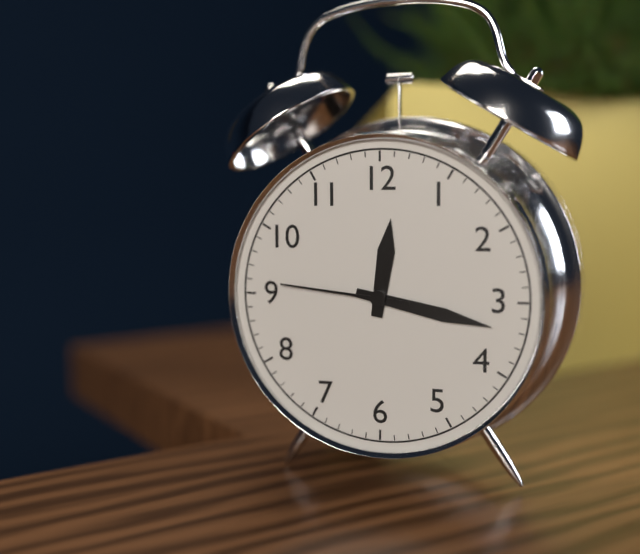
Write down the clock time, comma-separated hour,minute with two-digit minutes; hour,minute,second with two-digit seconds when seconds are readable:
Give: 12,17,46
